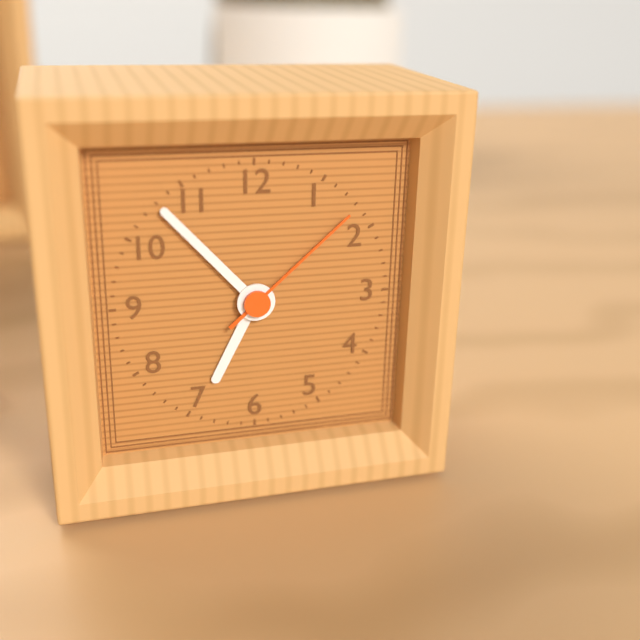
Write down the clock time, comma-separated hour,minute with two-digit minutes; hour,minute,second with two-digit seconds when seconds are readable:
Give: 6,53,08
